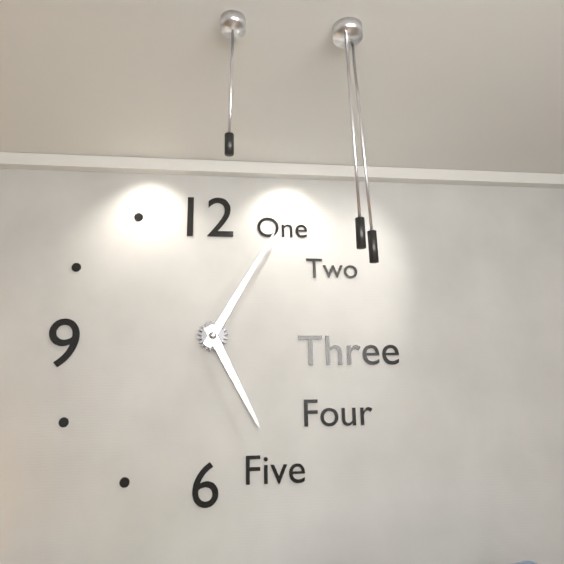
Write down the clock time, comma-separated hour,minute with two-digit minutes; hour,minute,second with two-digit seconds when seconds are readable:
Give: 5,05
